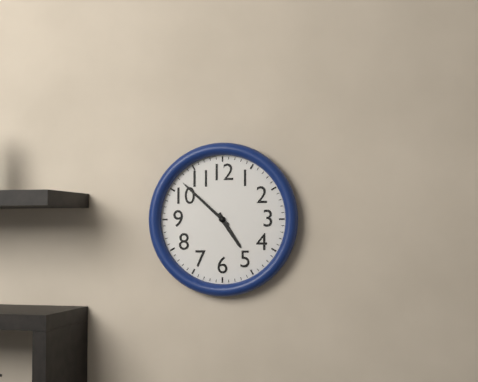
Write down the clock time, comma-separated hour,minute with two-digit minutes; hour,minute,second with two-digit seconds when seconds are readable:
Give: 4,52
